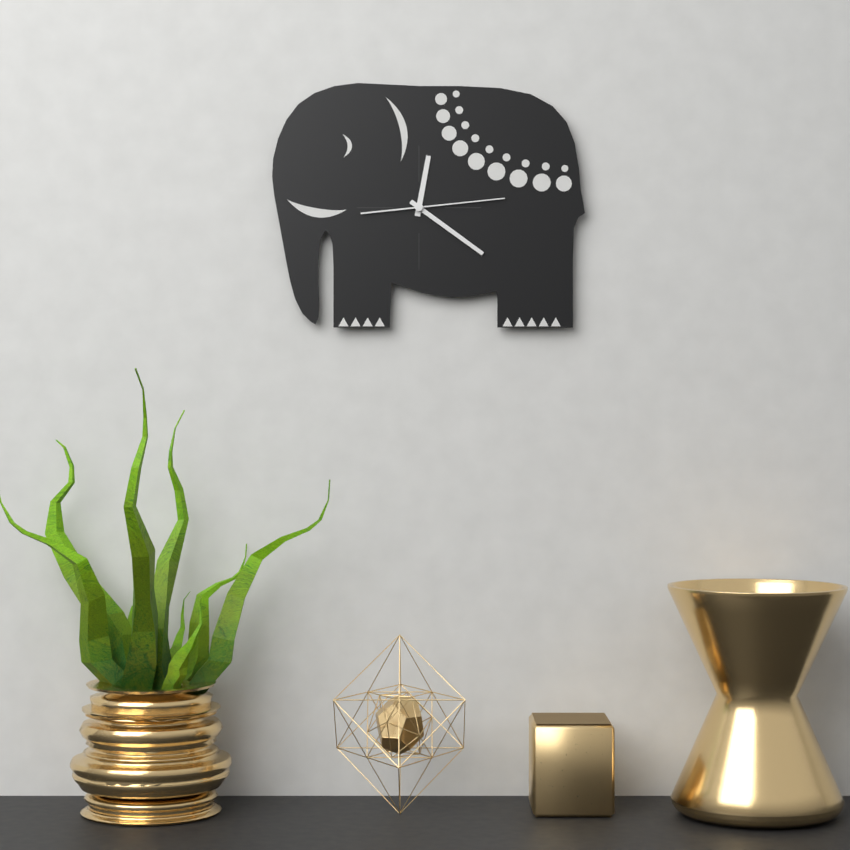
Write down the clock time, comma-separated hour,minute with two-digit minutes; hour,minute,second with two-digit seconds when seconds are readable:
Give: 12,21,14
